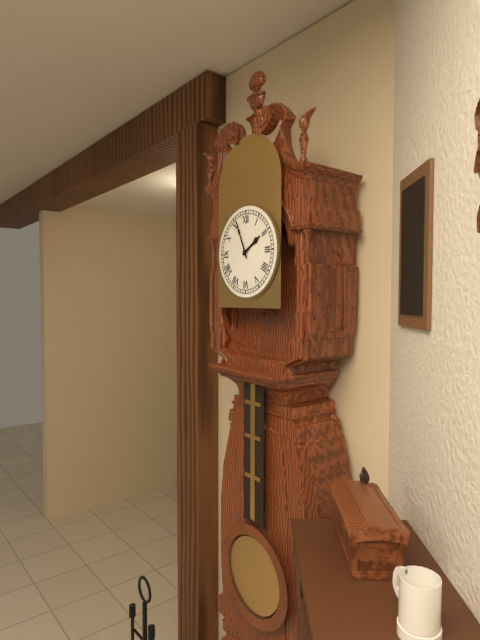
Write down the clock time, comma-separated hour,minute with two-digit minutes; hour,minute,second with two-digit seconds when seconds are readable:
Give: 1,56
